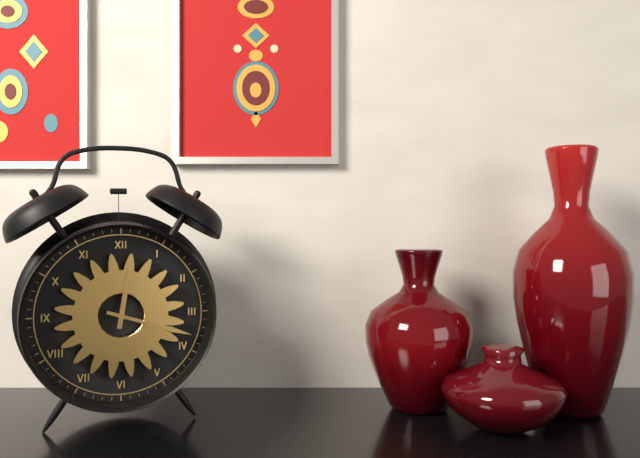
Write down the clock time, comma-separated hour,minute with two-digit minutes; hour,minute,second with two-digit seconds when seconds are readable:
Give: 12,18
